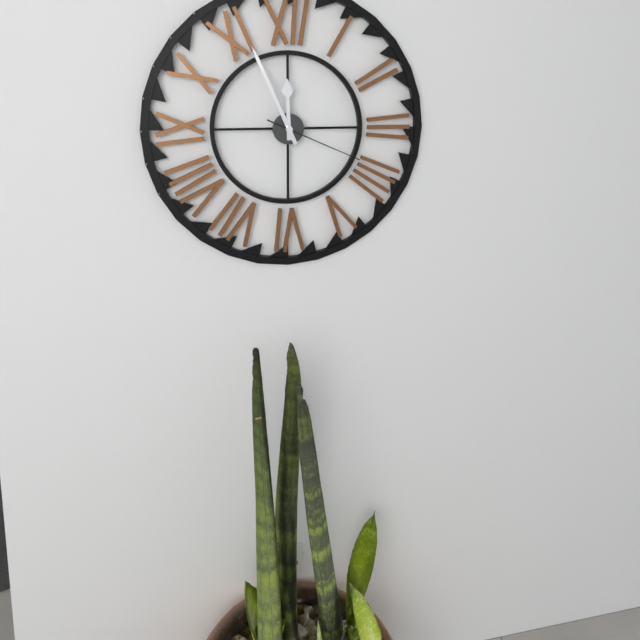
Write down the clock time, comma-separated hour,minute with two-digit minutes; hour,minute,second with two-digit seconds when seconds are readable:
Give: 11,56,19
